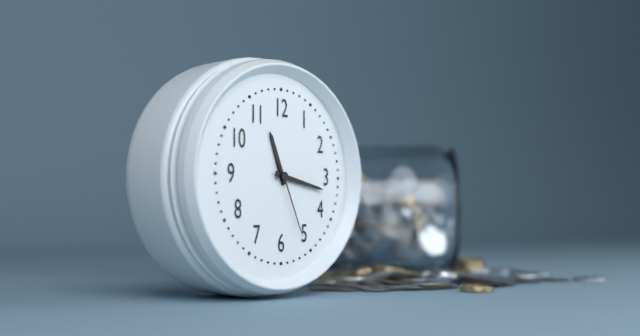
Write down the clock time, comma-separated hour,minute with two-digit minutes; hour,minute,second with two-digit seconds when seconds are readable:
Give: 11,17,26
